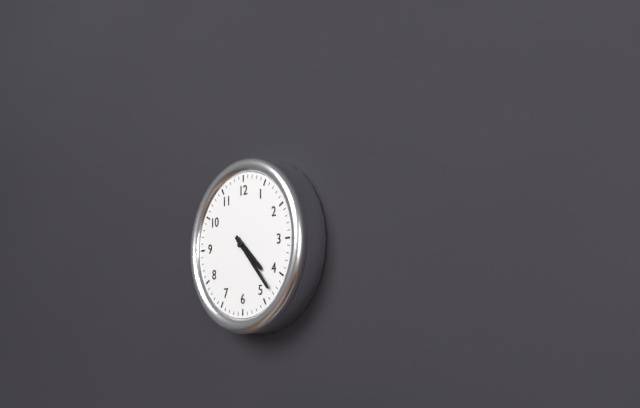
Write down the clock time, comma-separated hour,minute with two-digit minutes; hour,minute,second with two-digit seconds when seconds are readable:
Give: 4,23
